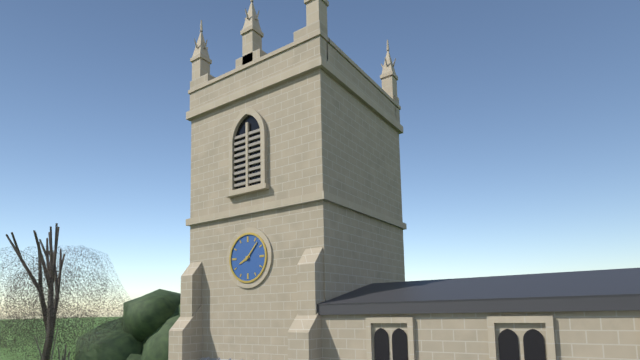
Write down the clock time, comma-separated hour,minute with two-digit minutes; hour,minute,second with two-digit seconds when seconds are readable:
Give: 8,07
